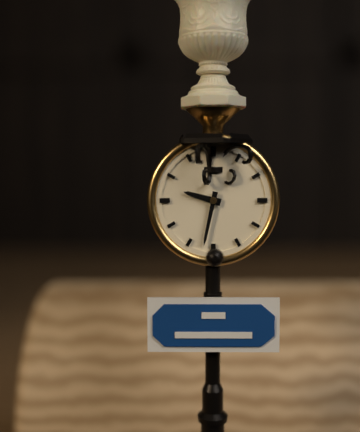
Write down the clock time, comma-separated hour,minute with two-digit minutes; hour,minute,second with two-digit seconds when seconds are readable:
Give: 9,32
